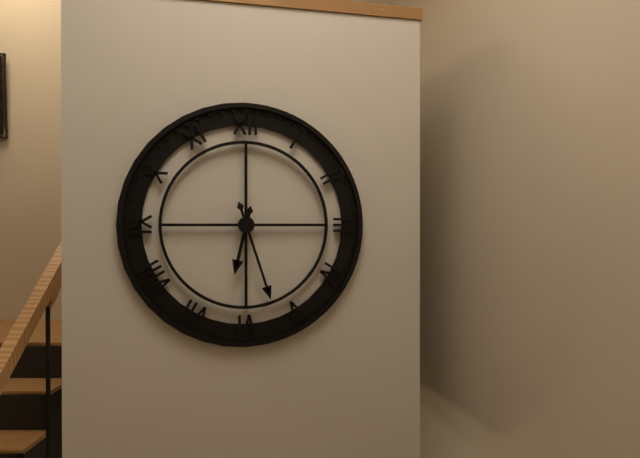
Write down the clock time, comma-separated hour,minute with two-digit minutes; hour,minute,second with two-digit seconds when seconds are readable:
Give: 6,27
